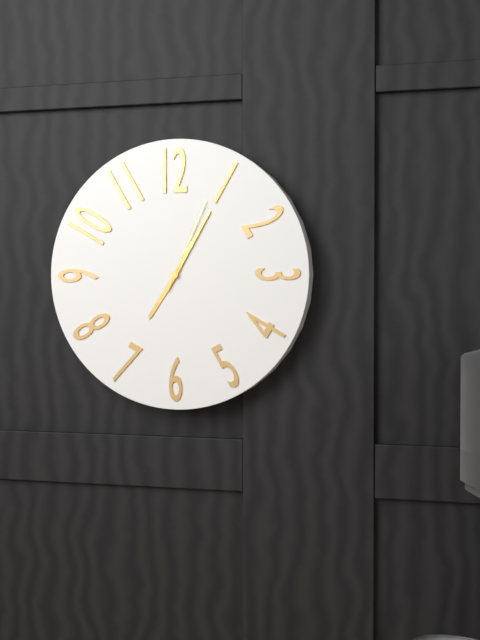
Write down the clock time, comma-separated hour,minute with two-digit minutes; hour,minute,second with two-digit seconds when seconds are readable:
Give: 7,05,04
